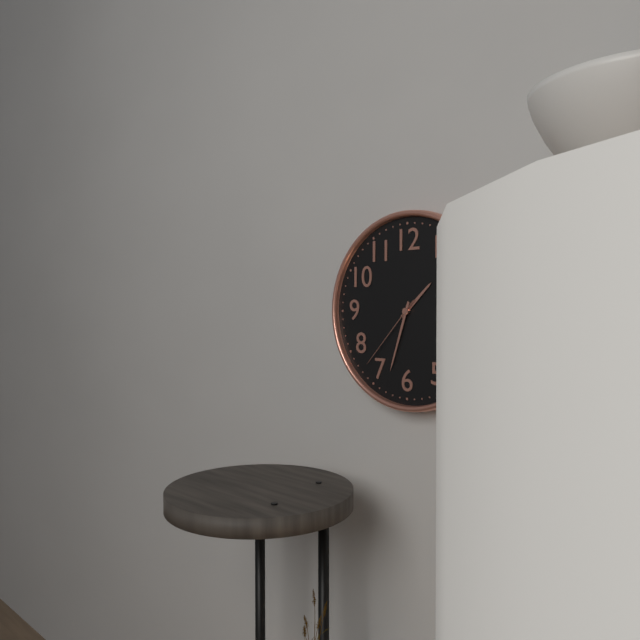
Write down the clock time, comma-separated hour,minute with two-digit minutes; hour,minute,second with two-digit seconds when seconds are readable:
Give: 1,33,37
